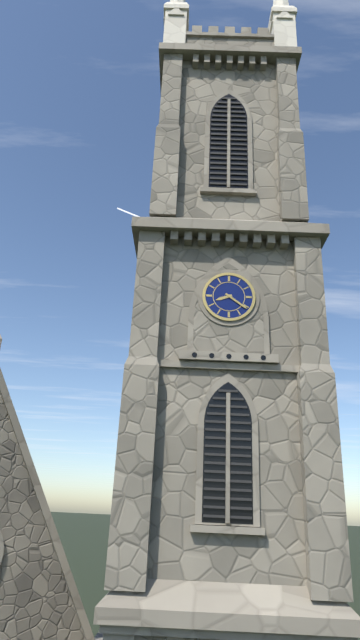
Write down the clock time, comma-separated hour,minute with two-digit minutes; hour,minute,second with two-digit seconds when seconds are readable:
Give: 8,21
